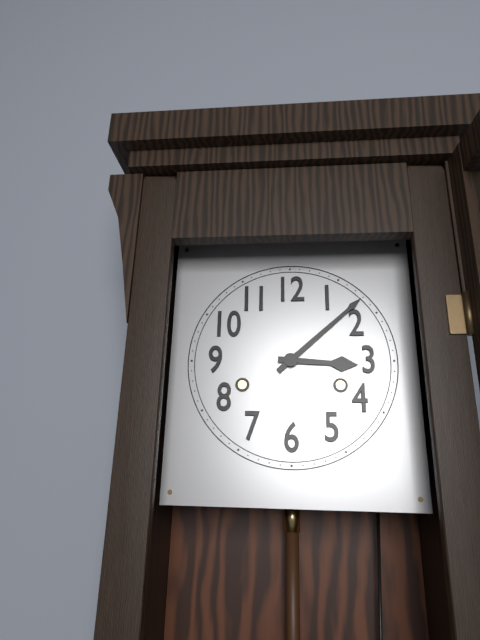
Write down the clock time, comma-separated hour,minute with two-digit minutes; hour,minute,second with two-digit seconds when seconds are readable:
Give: 3,08
